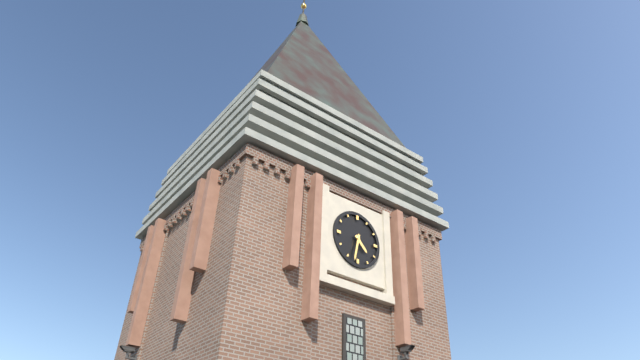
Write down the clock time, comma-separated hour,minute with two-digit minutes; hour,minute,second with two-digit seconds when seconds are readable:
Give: 4,32
